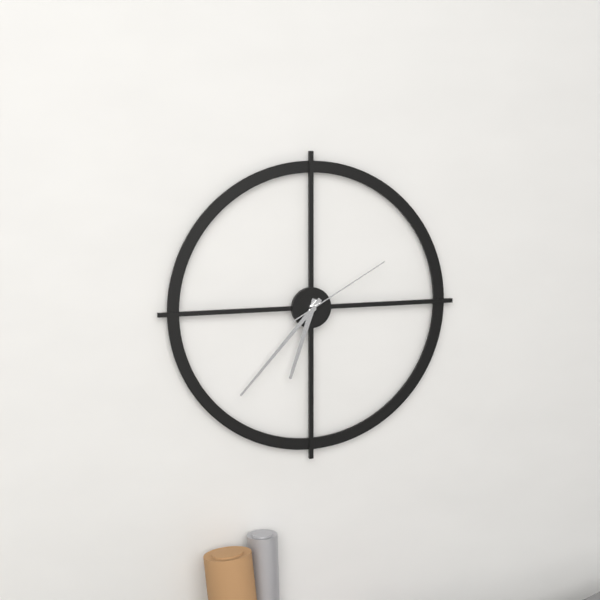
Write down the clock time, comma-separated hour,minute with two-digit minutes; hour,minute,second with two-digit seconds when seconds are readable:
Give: 6,37,10
